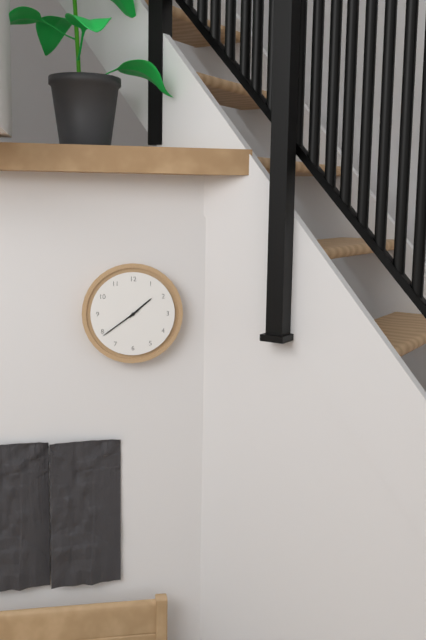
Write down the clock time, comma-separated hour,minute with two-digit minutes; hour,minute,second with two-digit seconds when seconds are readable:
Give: 1,39
